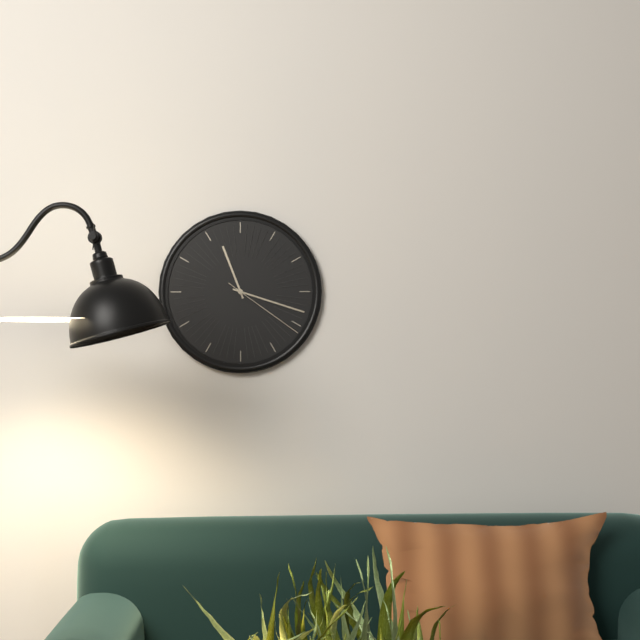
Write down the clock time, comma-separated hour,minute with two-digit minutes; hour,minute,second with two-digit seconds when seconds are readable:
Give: 11,18,21
